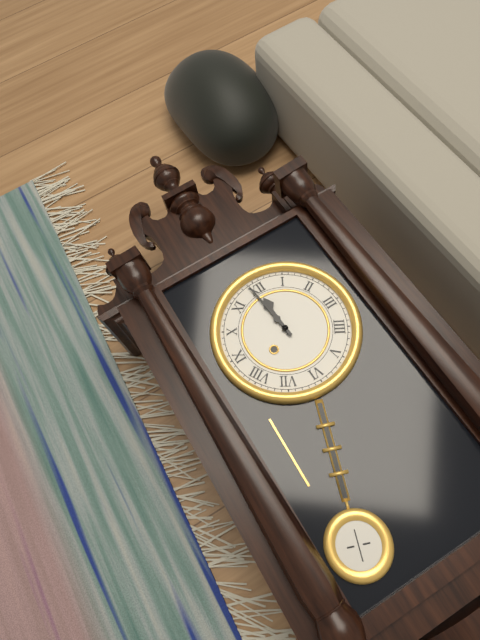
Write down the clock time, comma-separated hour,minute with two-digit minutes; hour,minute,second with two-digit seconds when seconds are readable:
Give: 11,59
